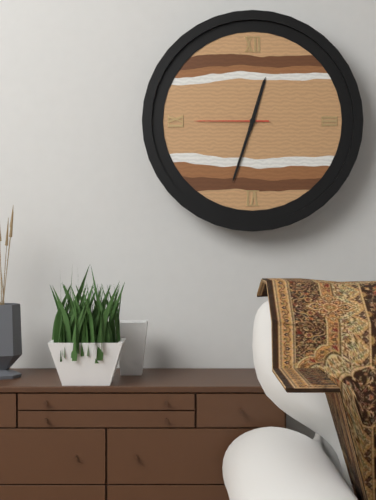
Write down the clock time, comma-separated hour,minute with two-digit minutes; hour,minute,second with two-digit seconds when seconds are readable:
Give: 12,33,45
